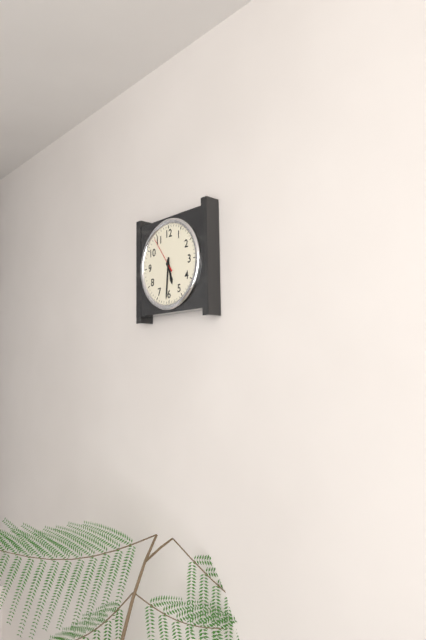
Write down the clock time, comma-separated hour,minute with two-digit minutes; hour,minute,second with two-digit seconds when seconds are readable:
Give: 5,31
